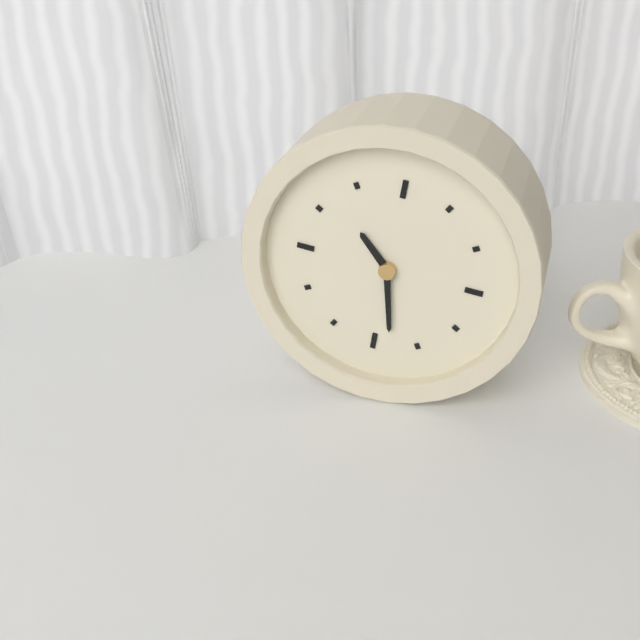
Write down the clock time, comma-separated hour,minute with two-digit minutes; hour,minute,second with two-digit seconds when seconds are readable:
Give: 10,28
